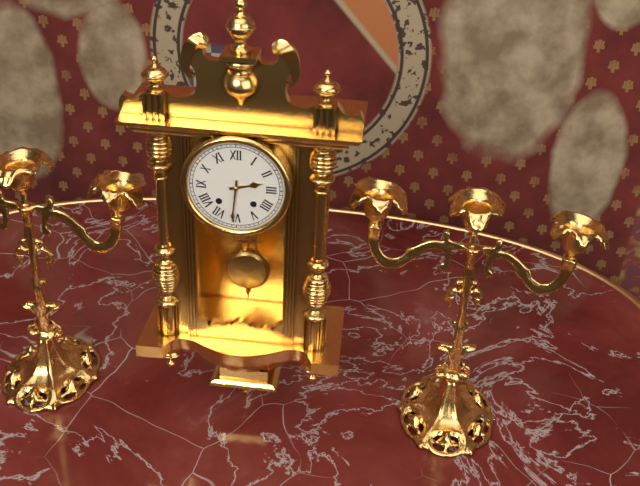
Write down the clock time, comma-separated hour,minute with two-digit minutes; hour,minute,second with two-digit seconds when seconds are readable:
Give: 2,31
